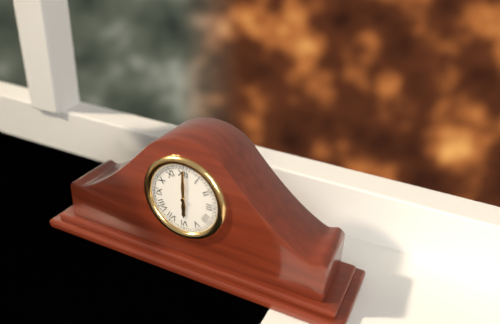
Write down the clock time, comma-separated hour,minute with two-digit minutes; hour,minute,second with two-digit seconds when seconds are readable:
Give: 6,00
